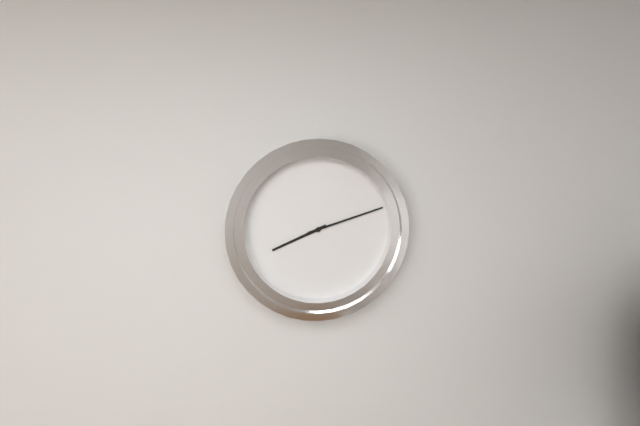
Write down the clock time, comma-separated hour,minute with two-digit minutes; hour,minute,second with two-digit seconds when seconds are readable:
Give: 8,12
